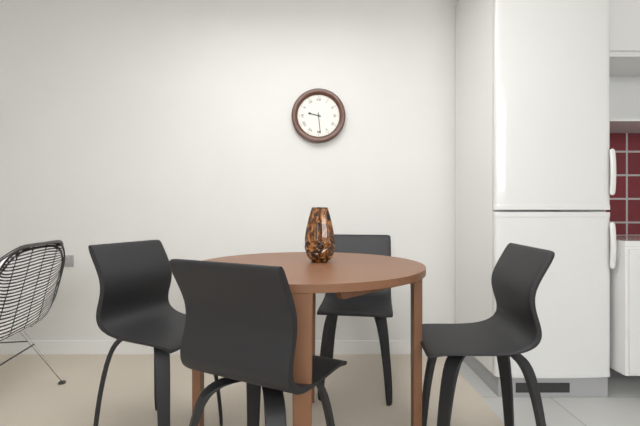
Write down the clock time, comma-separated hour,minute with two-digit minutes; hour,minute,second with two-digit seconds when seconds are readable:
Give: 9,29
